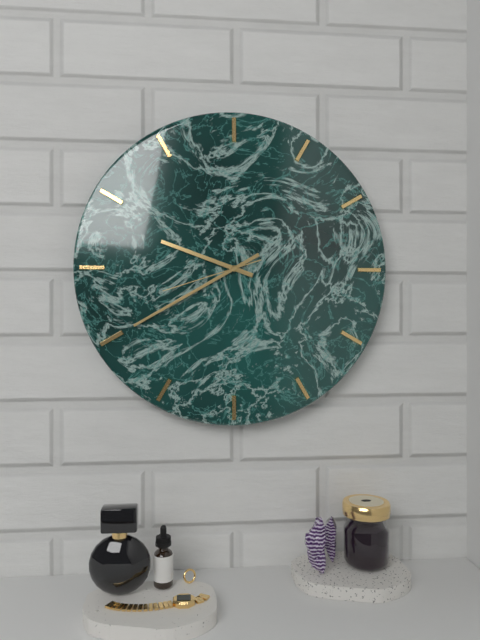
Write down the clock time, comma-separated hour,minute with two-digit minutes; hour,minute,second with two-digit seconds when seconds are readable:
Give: 9,40,42
